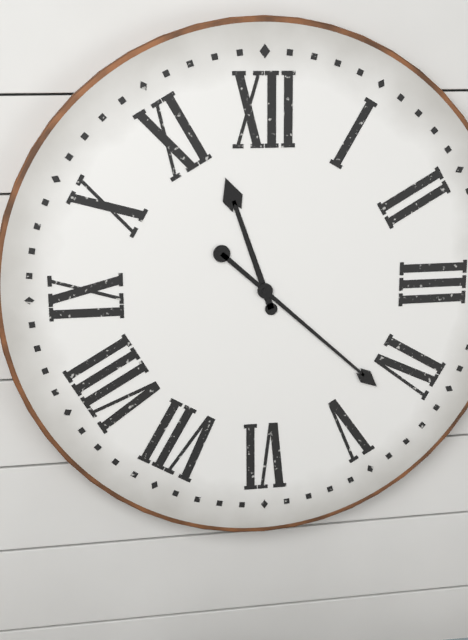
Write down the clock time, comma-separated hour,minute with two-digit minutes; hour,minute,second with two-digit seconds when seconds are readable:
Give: 11,22
